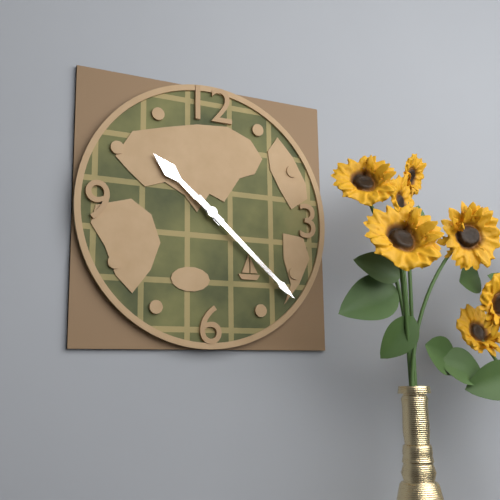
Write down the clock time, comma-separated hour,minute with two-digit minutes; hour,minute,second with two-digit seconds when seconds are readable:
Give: 10,22
